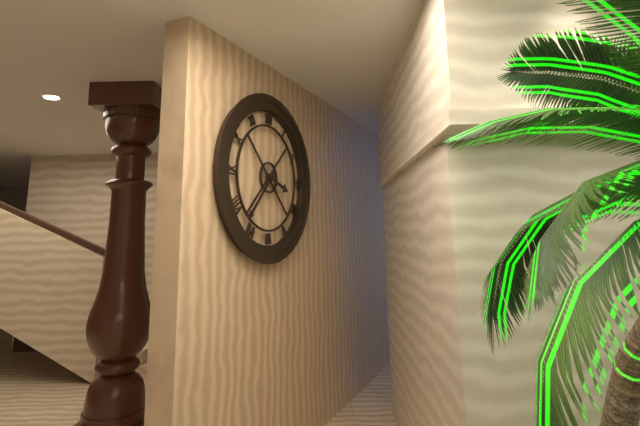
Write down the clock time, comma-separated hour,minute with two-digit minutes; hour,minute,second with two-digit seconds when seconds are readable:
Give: 3,37
